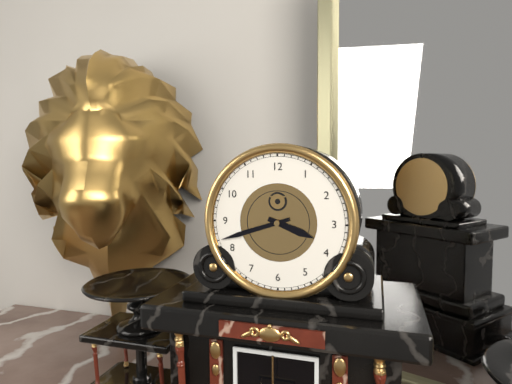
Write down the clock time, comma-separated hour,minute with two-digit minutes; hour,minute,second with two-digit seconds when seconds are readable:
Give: 3,42
